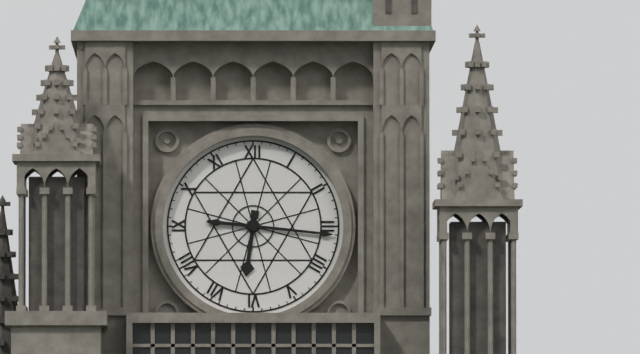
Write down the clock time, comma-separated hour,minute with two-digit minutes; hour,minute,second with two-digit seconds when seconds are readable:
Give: 6,16
